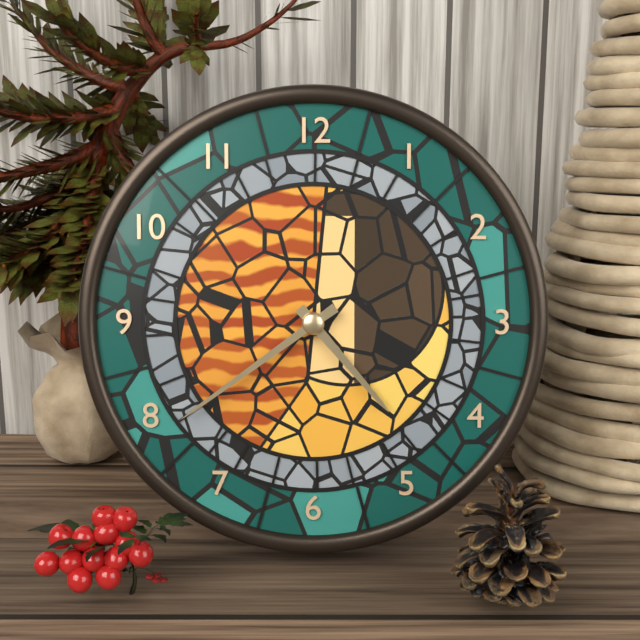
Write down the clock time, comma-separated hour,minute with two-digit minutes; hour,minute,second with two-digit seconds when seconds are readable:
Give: 4,39
